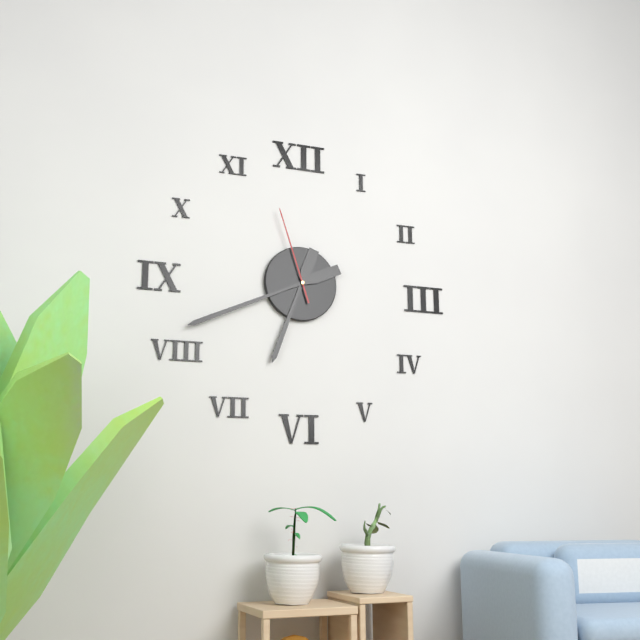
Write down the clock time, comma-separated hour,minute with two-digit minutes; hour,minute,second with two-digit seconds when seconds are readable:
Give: 6,41,57
